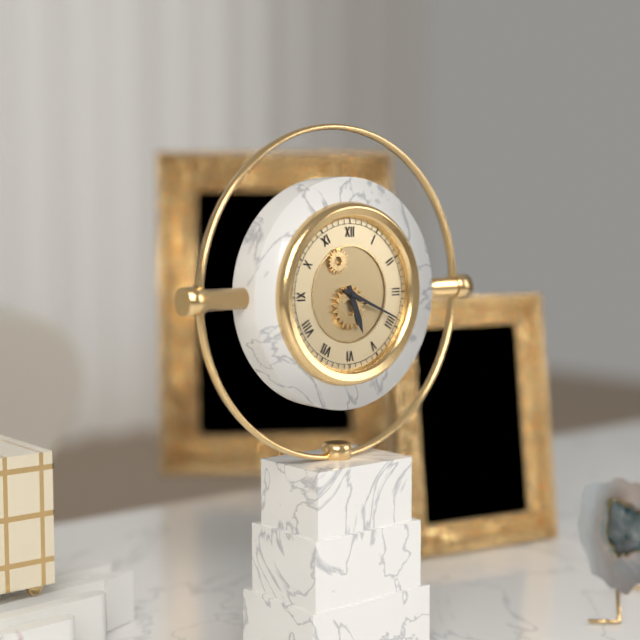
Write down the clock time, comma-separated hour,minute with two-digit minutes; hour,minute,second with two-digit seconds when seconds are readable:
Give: 5,19
